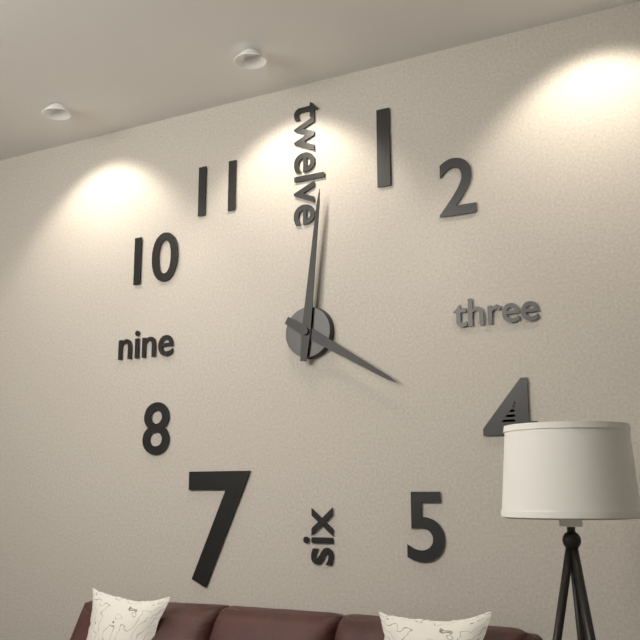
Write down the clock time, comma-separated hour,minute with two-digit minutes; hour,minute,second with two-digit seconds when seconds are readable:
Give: 4,01
